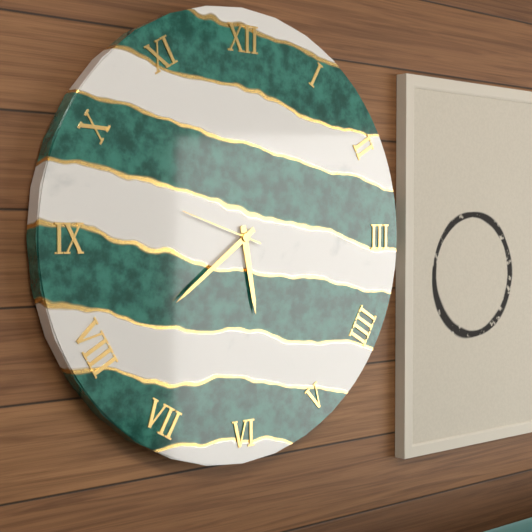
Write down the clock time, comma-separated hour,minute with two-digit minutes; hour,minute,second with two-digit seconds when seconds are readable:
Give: 5,39,48
